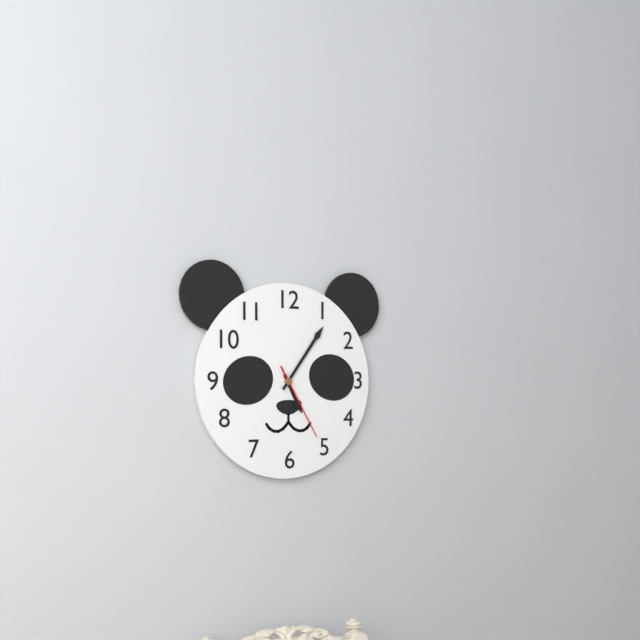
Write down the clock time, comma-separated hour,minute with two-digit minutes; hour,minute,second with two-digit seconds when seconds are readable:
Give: 5,06,25
